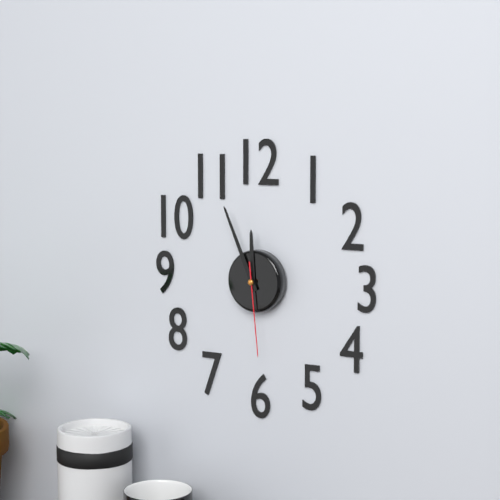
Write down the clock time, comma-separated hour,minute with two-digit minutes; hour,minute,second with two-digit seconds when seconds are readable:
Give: 11,56,29
